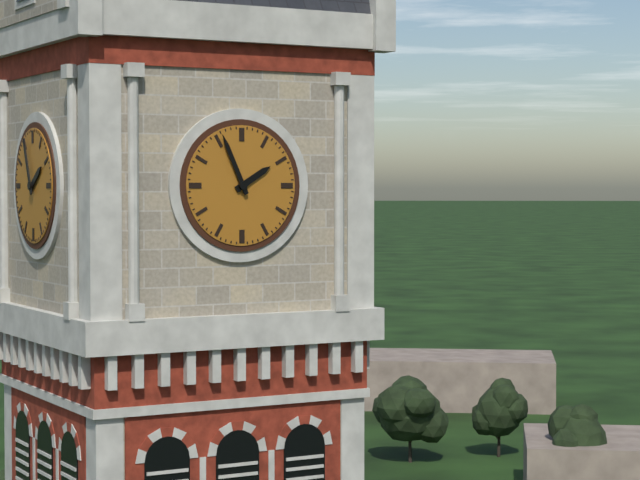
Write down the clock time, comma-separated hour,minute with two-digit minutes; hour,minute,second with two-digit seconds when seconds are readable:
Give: 1,56
